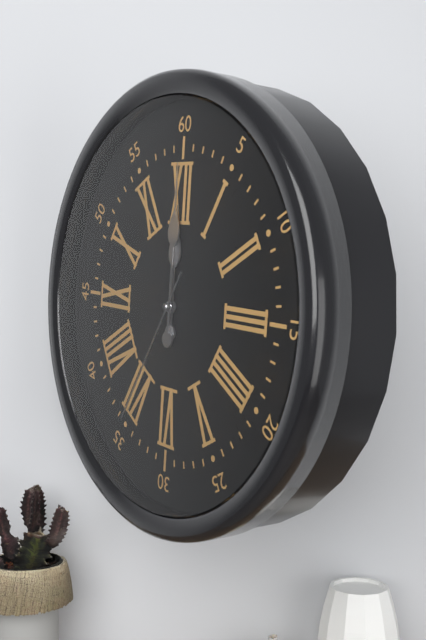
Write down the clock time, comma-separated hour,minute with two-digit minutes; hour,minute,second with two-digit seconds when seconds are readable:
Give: 12,00,35
